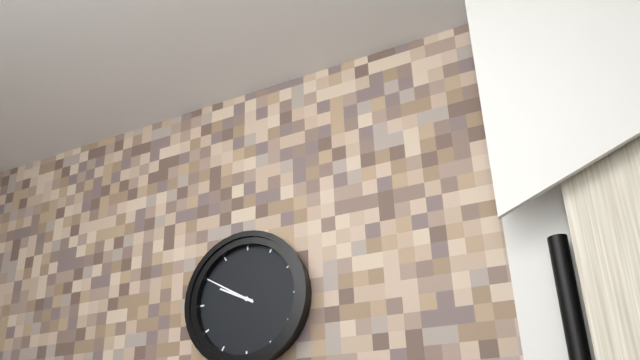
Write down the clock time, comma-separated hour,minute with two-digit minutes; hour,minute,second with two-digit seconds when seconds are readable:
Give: 9,50
